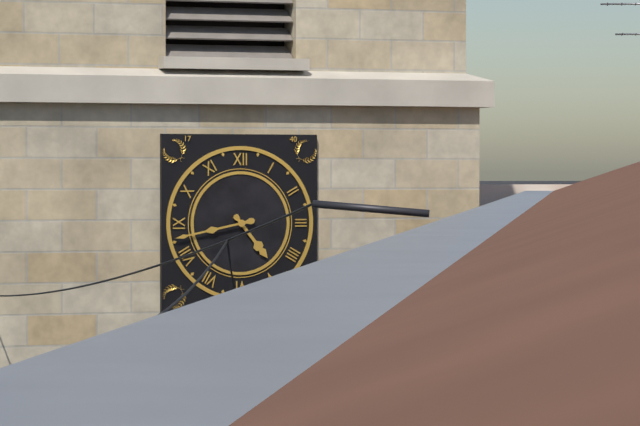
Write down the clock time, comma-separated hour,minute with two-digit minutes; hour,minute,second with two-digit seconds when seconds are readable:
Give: 4,43
